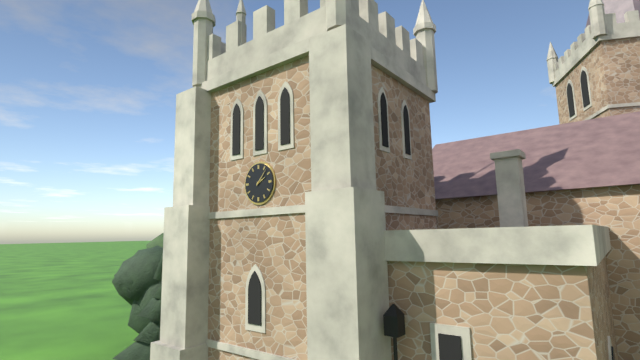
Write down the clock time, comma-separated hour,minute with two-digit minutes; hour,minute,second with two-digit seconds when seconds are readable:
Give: 2,07
